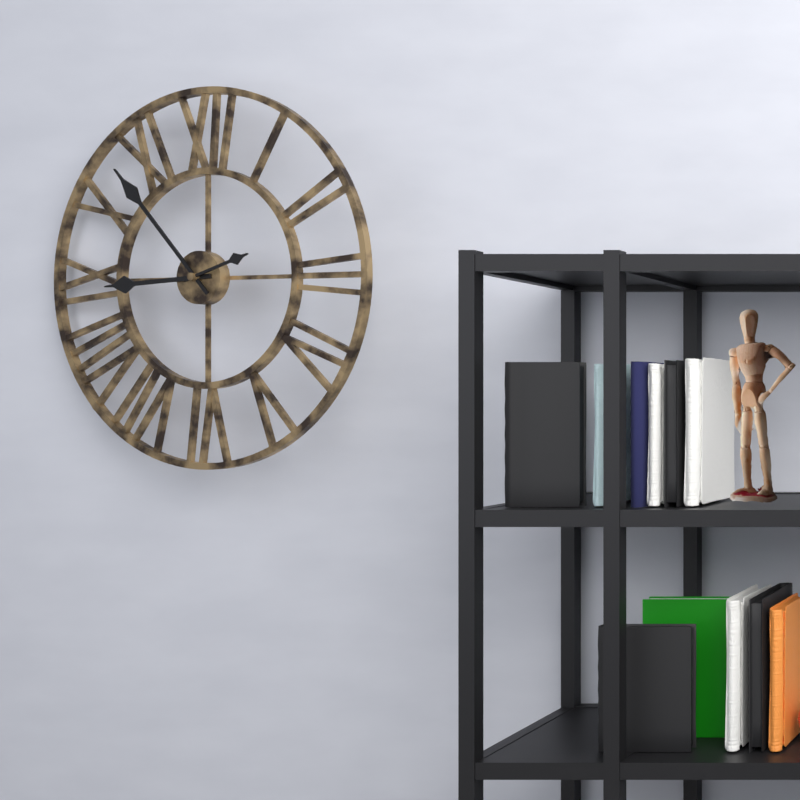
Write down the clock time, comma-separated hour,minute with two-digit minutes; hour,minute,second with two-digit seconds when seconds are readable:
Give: 8,53,12
